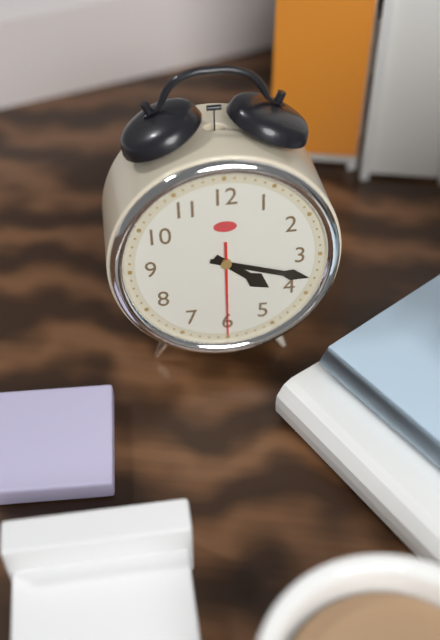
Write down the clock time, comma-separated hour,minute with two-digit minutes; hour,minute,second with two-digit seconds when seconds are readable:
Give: 4,18,30
